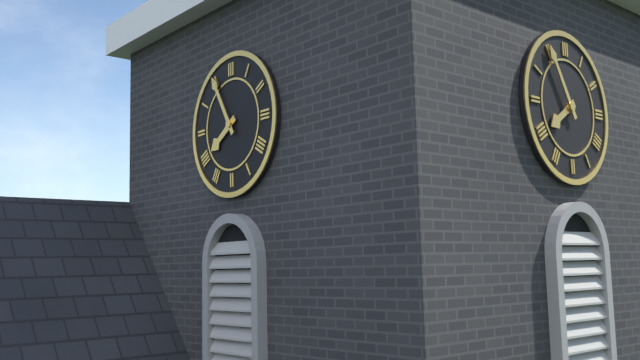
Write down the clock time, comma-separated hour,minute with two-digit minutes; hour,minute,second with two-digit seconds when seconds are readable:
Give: 7,55
